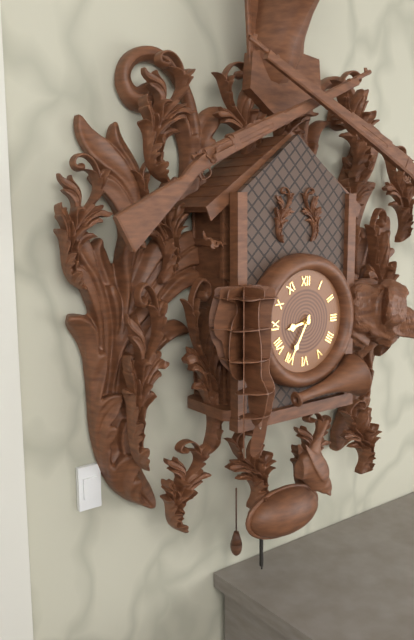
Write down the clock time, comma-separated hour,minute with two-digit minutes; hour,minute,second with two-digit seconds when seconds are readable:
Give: 8,35
